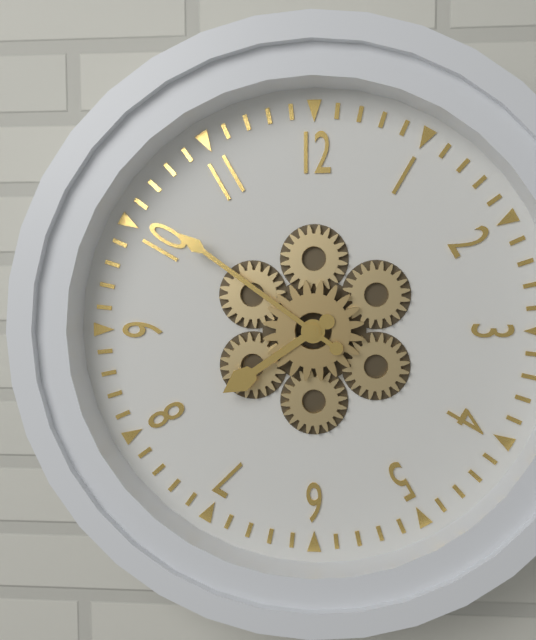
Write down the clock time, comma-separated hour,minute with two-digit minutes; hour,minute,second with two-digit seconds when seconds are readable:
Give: 7,51
